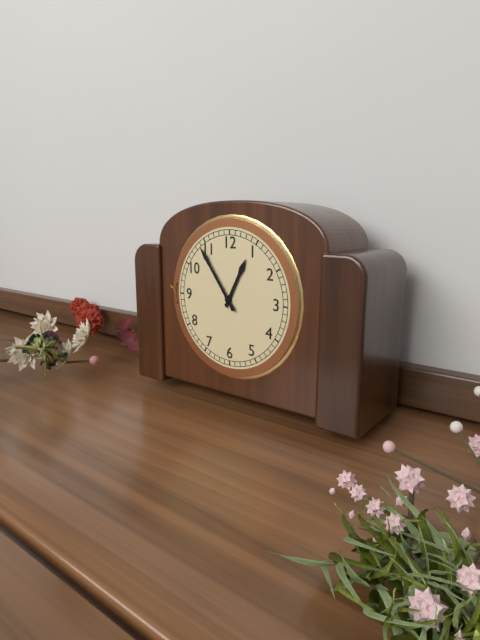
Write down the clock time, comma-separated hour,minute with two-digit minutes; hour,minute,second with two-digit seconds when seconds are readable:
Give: 12,54
